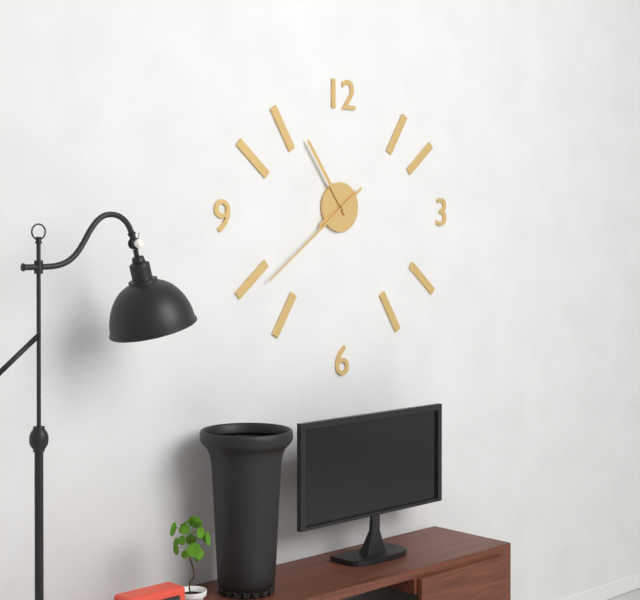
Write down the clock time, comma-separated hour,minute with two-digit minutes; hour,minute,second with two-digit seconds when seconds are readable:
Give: 7,54,39
